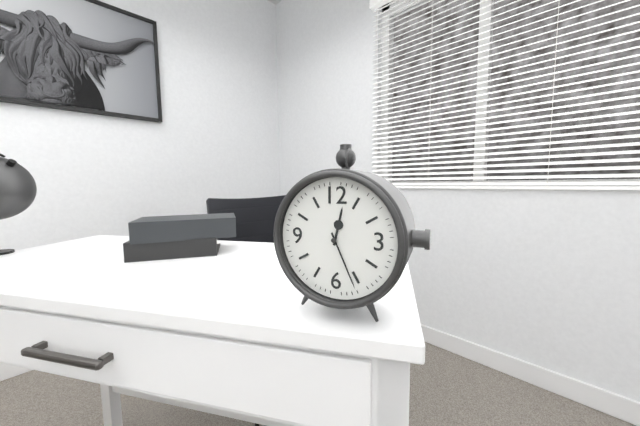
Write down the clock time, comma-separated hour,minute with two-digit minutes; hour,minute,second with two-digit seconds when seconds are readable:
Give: 12,26
